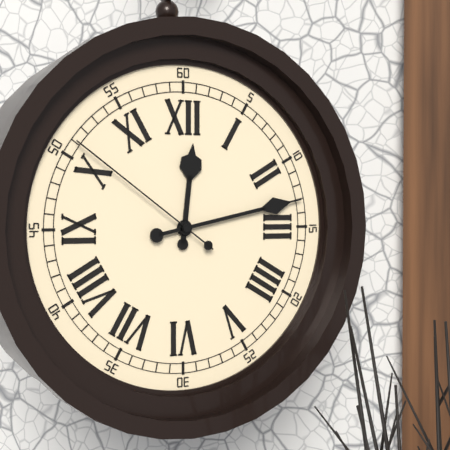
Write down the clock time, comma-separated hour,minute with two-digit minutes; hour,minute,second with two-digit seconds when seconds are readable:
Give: 12,13,51
